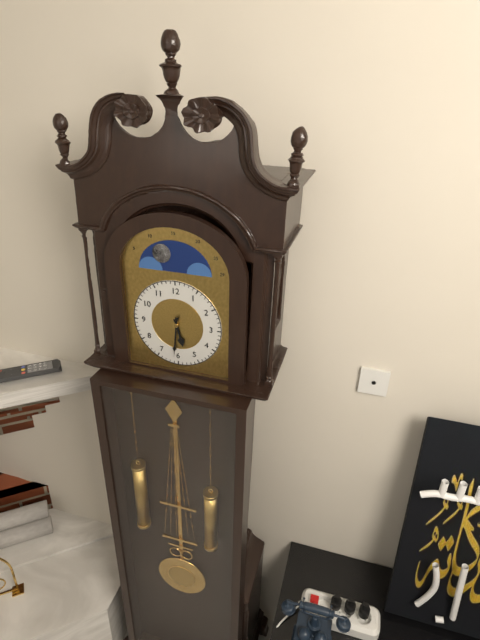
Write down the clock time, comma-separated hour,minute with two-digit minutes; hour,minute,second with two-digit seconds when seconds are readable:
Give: 5,31
